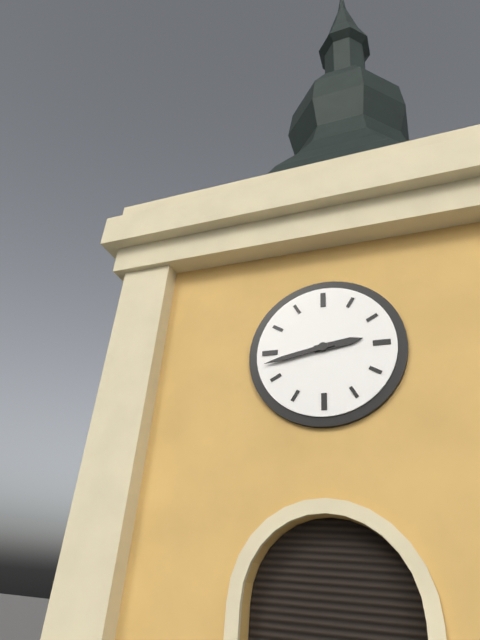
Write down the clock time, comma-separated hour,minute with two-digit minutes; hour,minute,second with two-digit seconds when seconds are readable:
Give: 2,43
